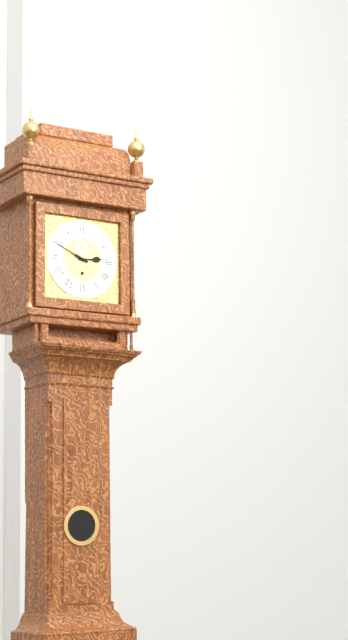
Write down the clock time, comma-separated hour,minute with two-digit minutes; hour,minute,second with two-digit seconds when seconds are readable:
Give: 2,49
